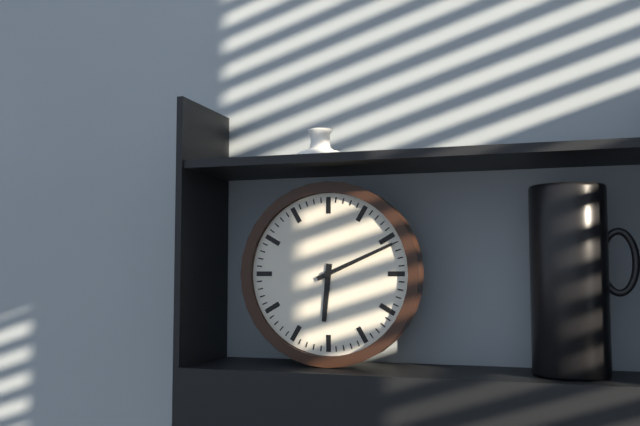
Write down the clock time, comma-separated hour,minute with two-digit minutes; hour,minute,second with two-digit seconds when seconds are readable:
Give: 6,11
